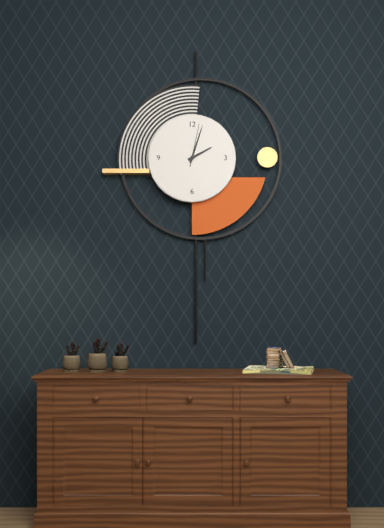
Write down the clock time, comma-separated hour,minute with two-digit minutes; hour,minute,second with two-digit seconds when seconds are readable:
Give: 2,03
